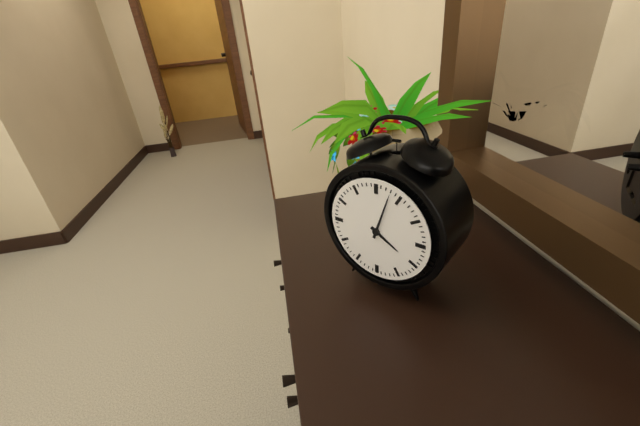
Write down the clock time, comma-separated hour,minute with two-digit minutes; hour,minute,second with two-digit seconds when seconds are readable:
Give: 4,03
